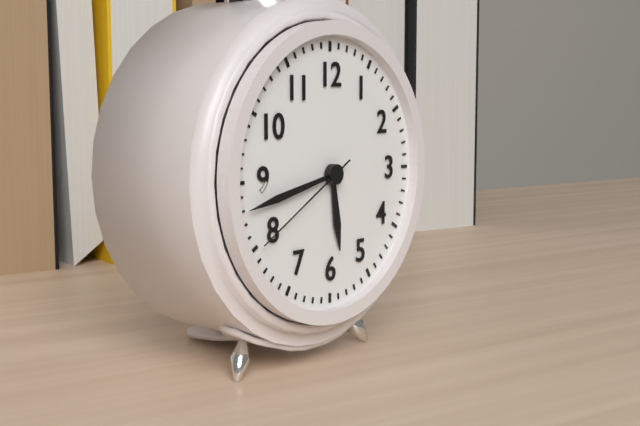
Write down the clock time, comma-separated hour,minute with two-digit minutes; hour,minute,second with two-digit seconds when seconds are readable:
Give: 5,43,40
